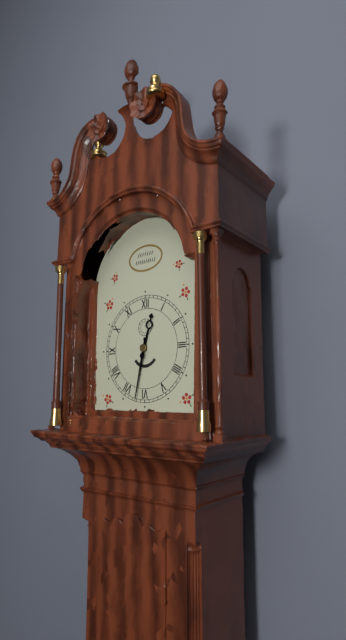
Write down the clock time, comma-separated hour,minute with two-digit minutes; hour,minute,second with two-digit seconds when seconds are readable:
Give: 12,32
